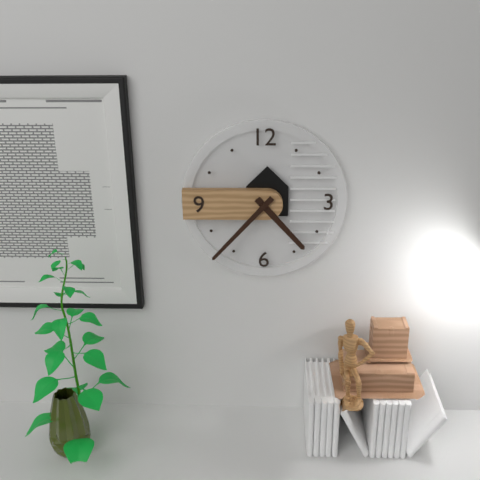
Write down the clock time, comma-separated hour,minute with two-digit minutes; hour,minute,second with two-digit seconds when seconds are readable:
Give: 4,37
